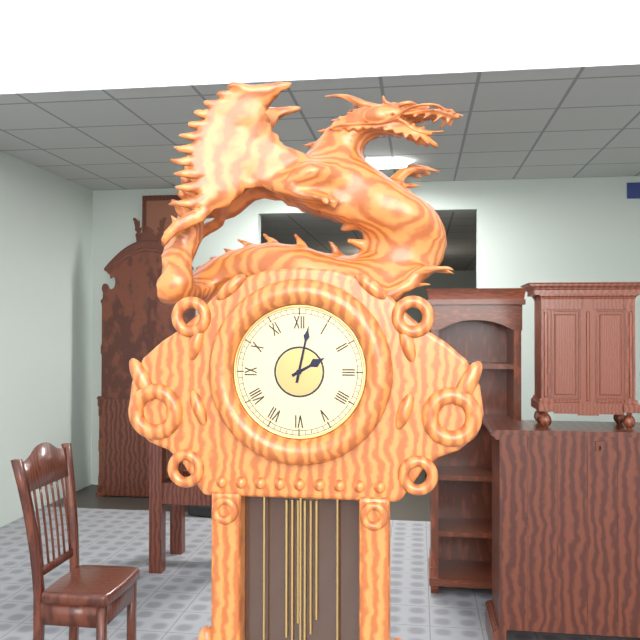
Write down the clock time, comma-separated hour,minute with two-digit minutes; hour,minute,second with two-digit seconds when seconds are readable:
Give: 2,02
